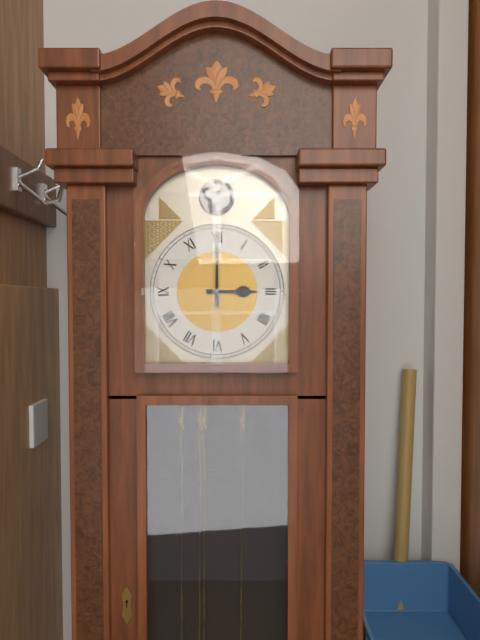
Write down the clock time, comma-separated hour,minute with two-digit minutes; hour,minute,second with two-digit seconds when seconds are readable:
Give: 3,00
